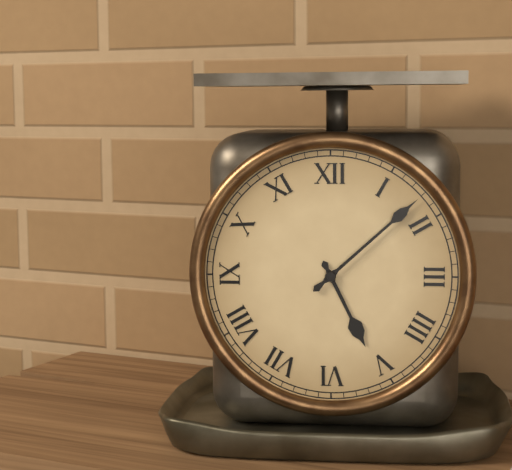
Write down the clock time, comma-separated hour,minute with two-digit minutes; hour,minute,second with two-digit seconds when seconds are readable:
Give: 5,08
